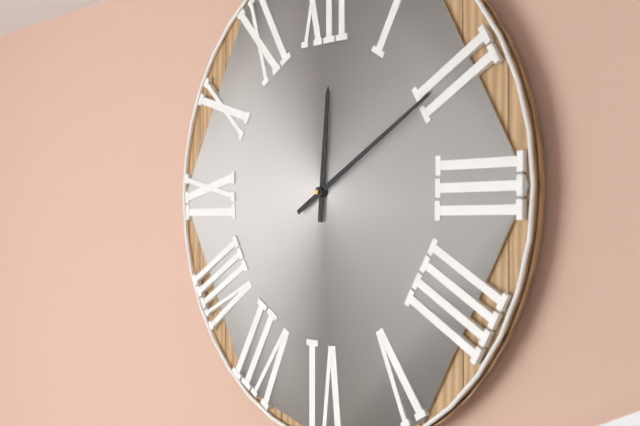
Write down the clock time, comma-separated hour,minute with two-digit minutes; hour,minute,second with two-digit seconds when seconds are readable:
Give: 12,10
